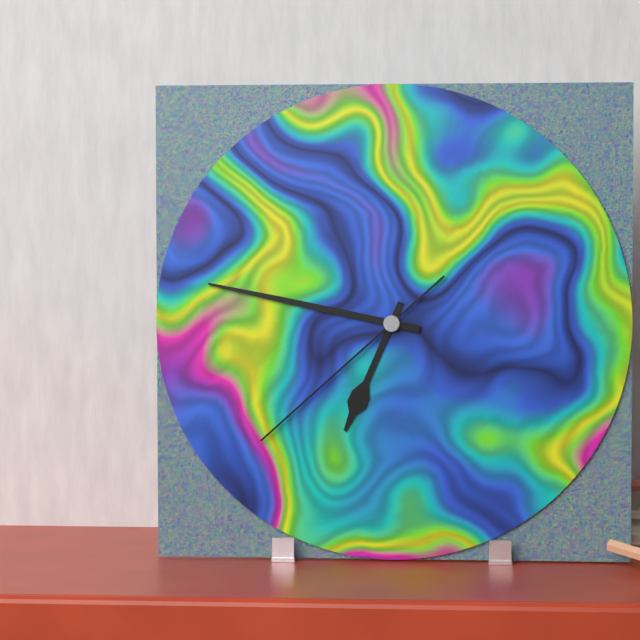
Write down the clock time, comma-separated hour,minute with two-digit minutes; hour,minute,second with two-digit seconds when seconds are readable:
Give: 6,47,38
